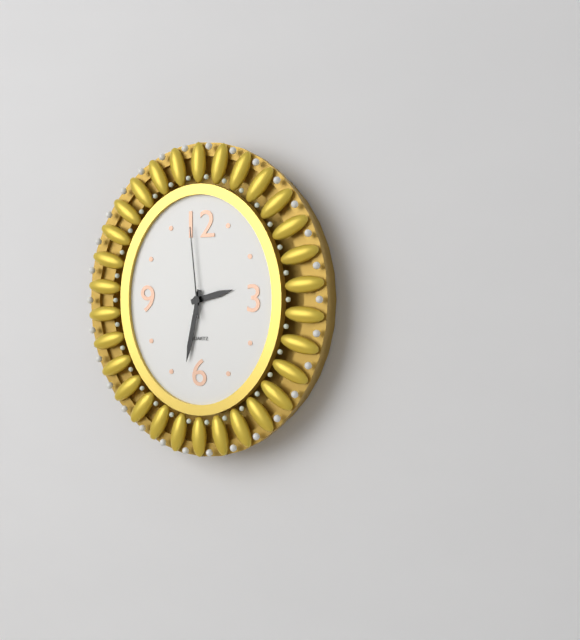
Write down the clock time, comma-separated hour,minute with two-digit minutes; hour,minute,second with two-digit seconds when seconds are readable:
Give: 2,32,59
